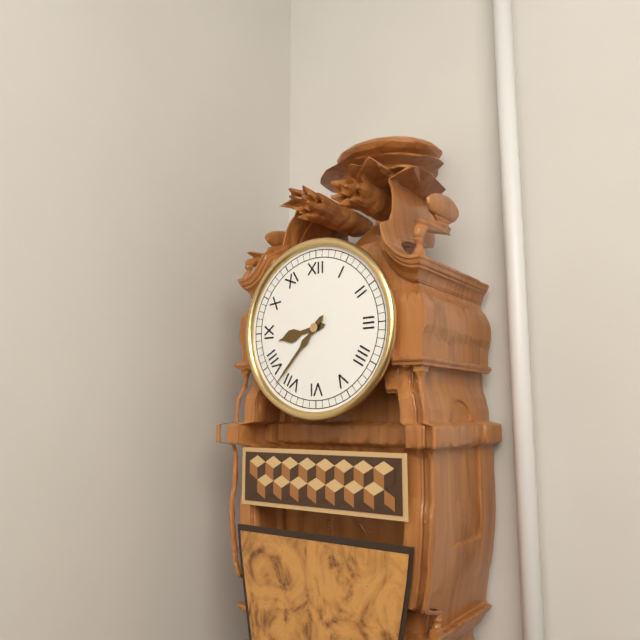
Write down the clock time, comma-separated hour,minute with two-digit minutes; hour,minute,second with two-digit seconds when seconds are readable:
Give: 8,37
